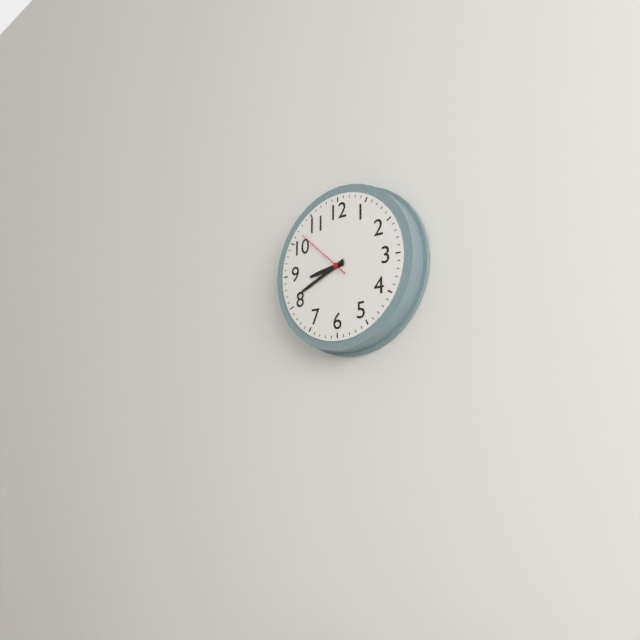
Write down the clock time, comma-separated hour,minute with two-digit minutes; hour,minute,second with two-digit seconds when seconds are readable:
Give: 8,41,52
